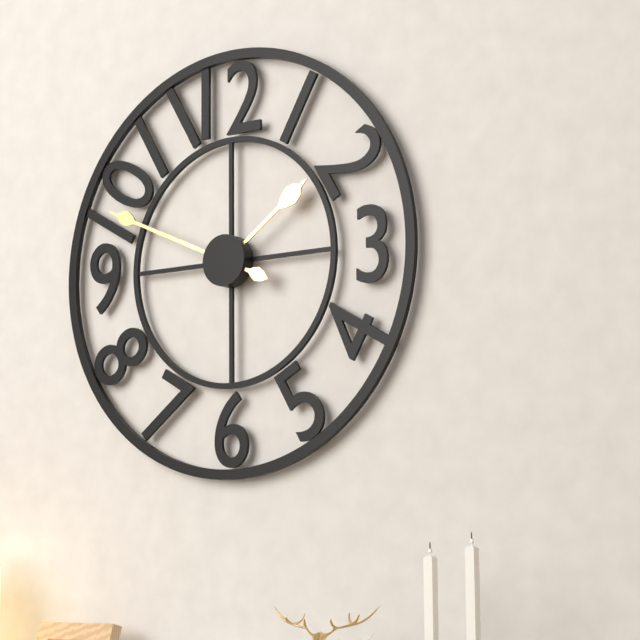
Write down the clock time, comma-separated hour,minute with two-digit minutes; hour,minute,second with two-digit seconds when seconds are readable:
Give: 1,49
